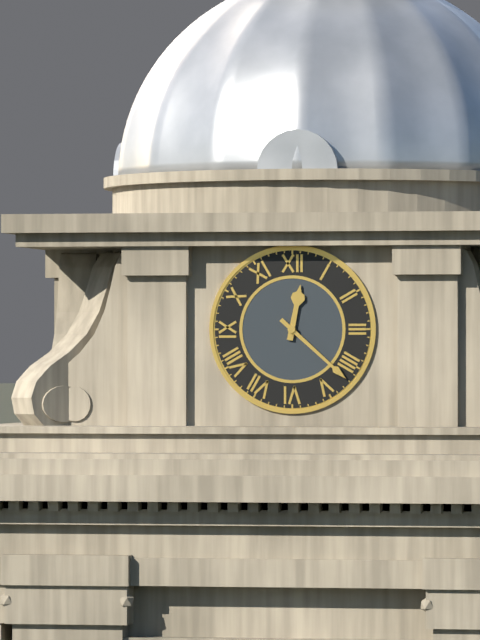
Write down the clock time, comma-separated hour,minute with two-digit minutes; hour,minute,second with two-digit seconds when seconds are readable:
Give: 12,22
